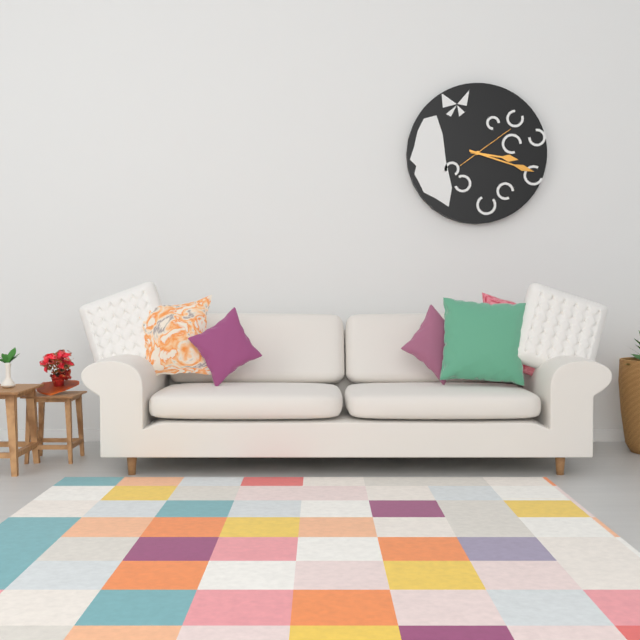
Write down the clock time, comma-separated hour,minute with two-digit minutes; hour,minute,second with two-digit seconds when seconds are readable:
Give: 3,18,09
